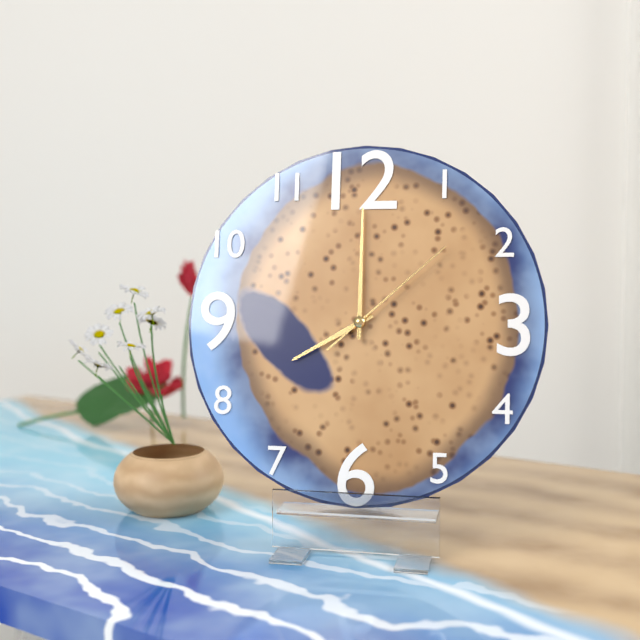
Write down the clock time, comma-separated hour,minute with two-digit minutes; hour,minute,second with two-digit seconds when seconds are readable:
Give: 8,00,08
